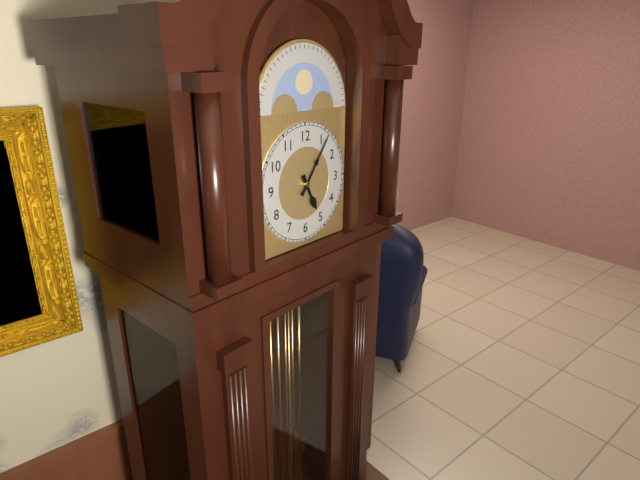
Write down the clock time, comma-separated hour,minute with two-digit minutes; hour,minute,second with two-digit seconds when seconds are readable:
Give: 5,06
